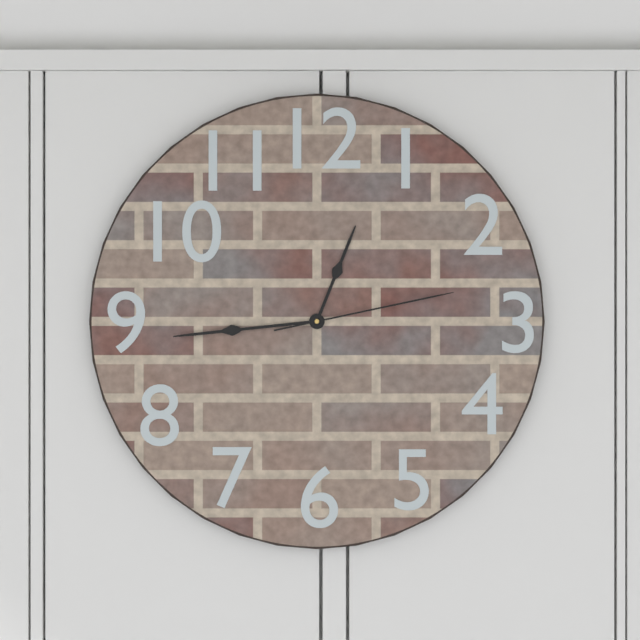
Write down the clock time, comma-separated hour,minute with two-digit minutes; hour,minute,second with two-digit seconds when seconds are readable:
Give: 12,44,13
